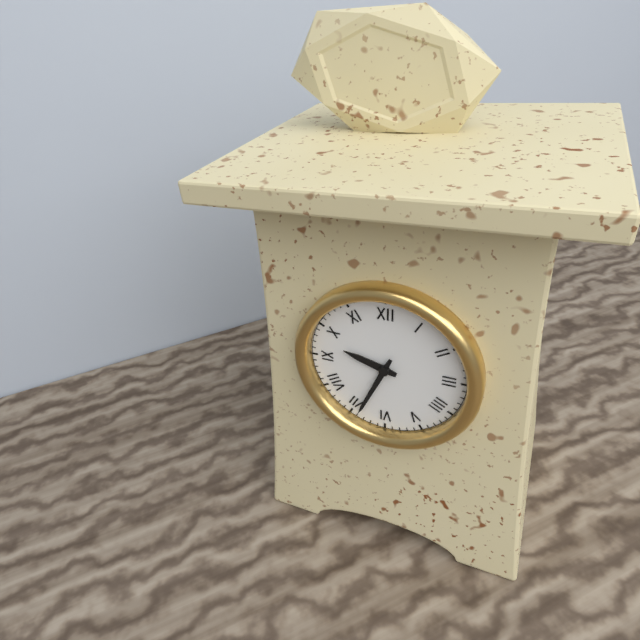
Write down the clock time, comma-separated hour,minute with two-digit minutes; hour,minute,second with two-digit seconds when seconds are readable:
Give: 9,34
